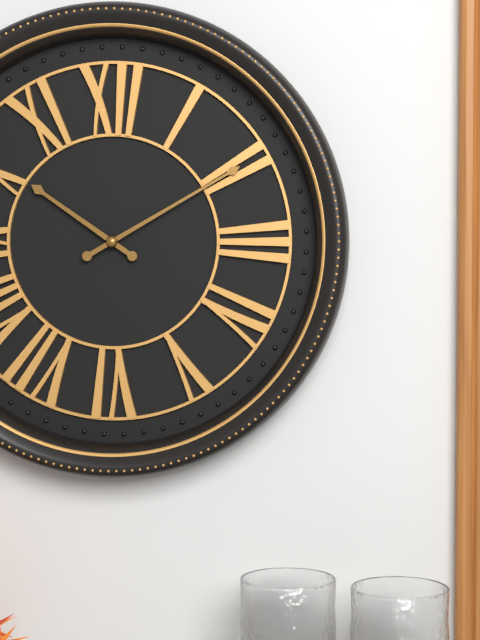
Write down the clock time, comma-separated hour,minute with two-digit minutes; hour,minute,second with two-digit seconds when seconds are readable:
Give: 10,10
